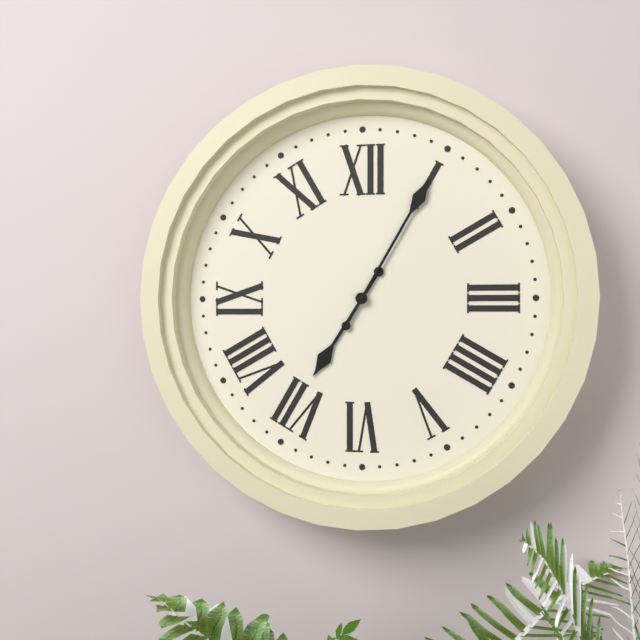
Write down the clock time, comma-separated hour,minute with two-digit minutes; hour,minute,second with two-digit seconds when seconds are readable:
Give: 7,05
